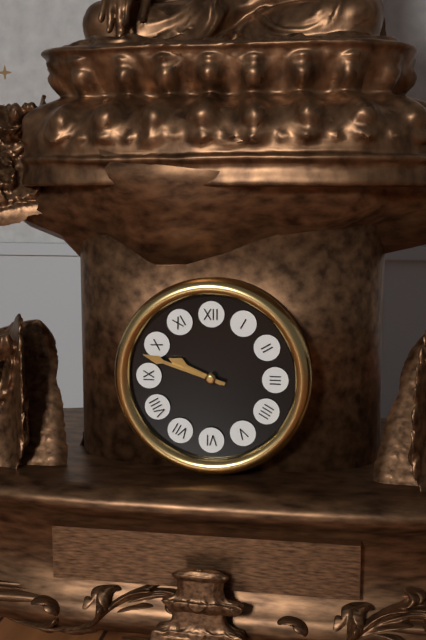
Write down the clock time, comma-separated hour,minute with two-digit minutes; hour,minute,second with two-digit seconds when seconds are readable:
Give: 9,48
